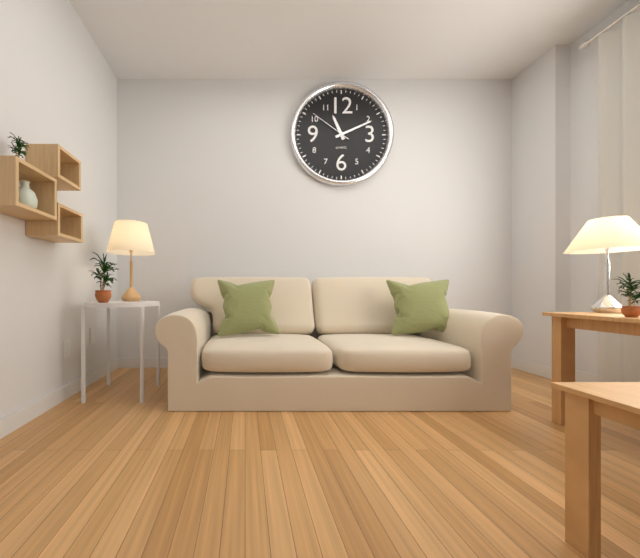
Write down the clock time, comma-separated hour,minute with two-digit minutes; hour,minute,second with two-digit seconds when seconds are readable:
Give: 11,11
